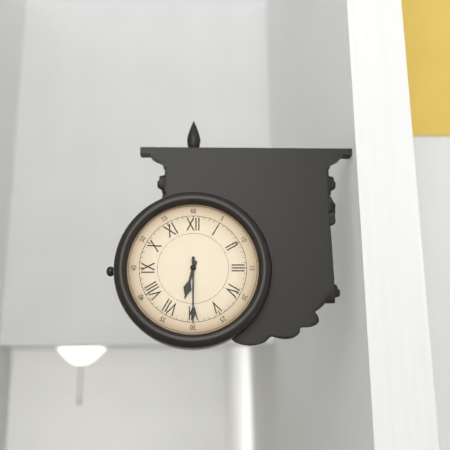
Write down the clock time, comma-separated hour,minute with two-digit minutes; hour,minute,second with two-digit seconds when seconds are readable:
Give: 6,30
